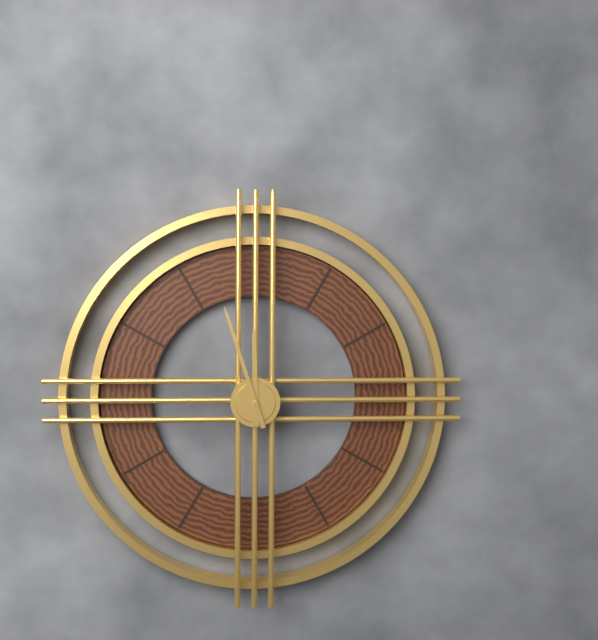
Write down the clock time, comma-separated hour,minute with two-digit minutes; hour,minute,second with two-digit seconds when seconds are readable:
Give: 11,57
